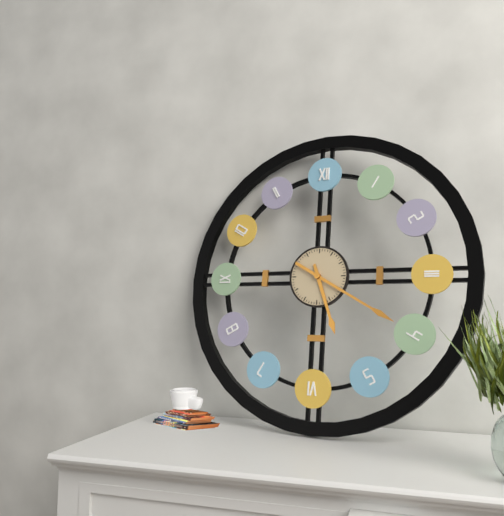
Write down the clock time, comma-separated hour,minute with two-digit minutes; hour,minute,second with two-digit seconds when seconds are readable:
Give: 5,20
